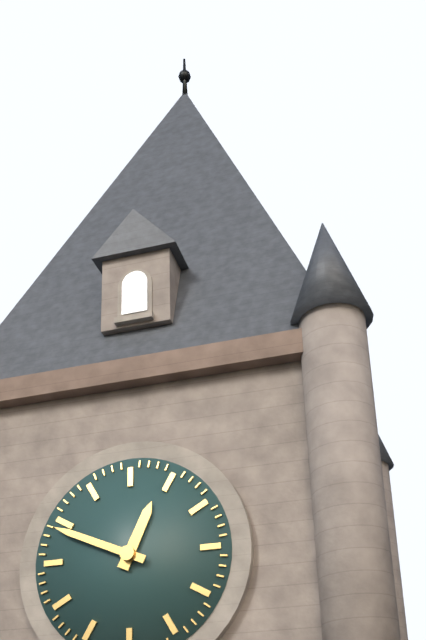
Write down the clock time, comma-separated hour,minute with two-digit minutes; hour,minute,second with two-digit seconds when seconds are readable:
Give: 12,49
